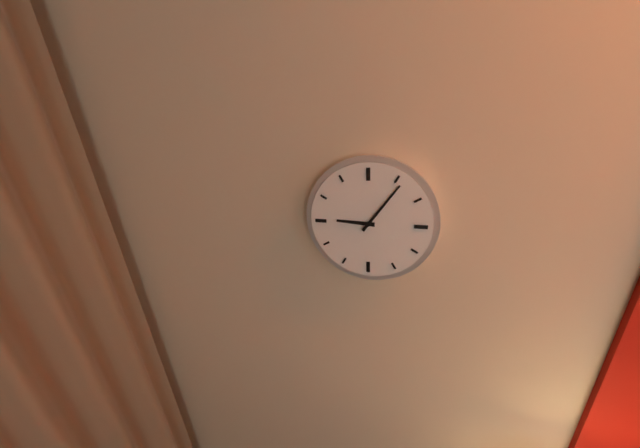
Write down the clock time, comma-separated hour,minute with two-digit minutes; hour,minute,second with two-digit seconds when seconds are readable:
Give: 9,06
